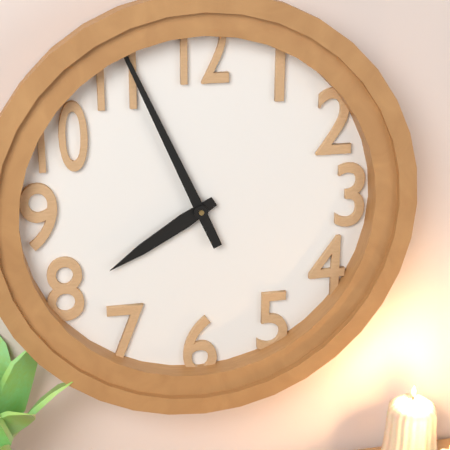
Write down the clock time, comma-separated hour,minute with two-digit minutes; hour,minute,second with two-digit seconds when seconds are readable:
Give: 7,56
